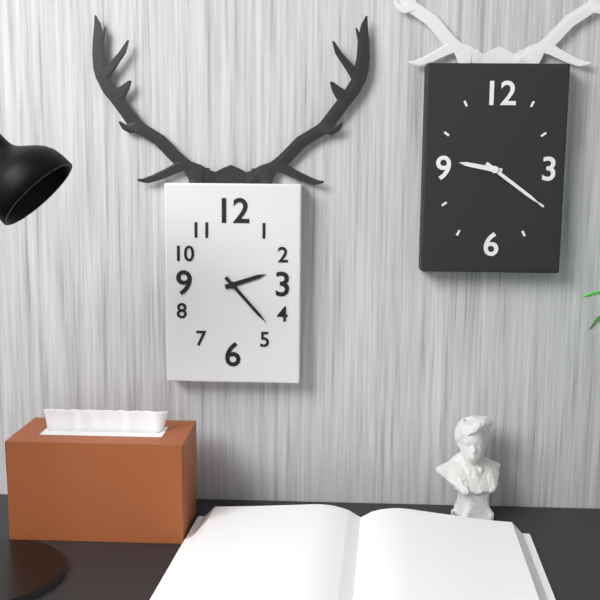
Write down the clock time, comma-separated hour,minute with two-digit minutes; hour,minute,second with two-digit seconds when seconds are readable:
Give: 2,23
